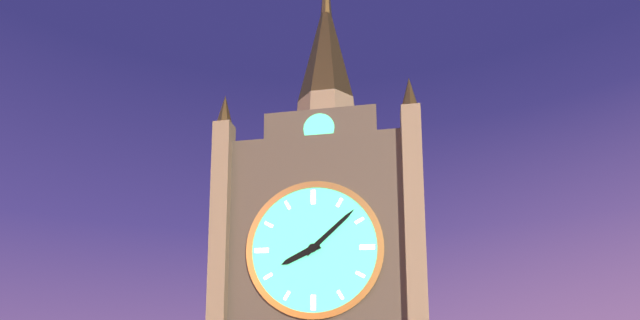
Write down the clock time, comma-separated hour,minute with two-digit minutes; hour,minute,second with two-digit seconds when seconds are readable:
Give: 8,08
